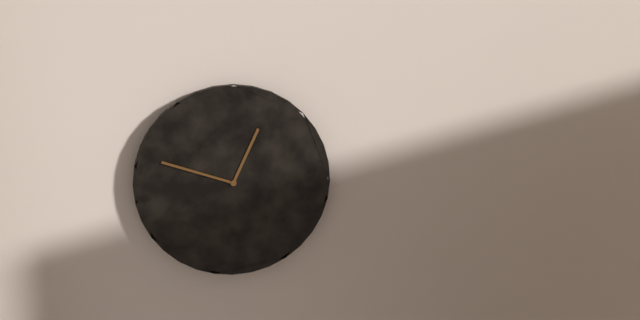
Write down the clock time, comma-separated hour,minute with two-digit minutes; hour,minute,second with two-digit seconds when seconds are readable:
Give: 12,48
